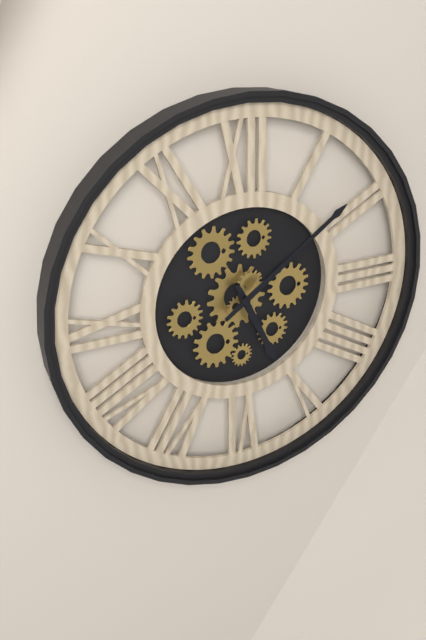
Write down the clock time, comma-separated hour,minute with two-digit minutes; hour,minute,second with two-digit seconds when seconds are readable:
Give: 5,09
